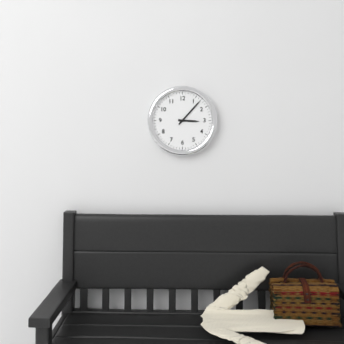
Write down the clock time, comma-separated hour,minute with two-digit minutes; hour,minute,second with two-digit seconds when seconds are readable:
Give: 3,07
